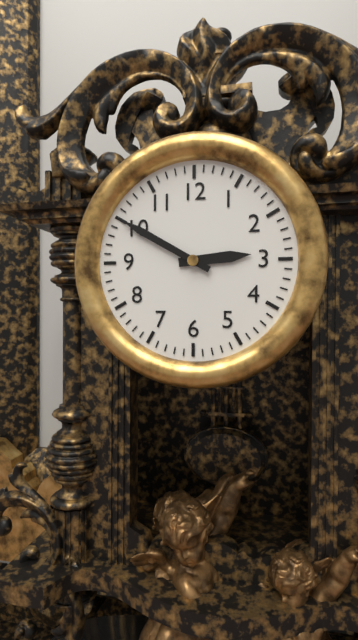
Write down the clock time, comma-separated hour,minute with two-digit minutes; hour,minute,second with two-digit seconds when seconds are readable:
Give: 2,50
